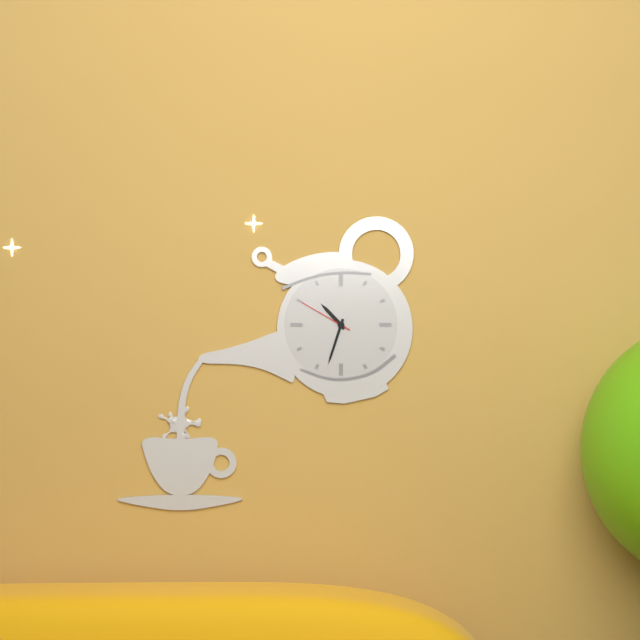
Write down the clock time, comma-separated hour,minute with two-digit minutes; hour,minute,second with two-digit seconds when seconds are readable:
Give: 10,33,50
